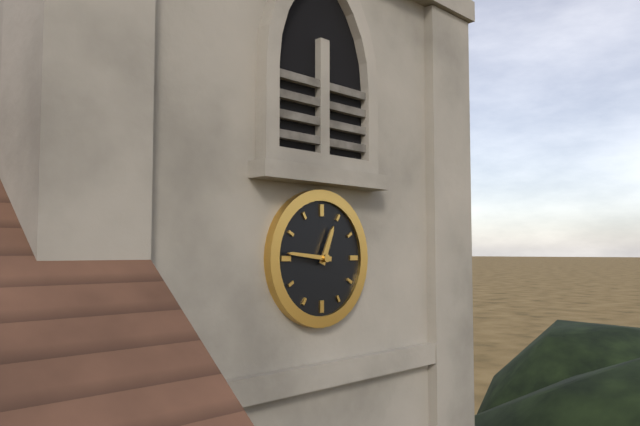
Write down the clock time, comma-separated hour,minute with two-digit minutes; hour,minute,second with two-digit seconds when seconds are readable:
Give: 12,46
